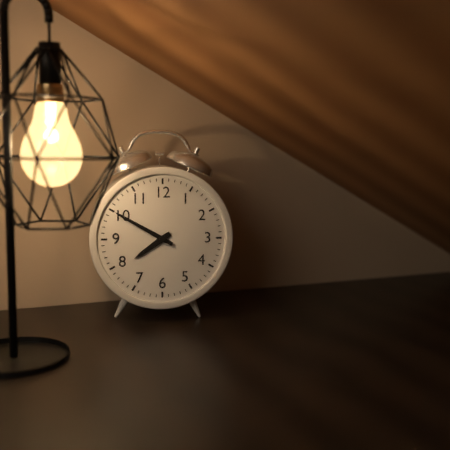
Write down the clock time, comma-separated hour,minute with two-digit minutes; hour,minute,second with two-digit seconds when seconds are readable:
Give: 7,50
